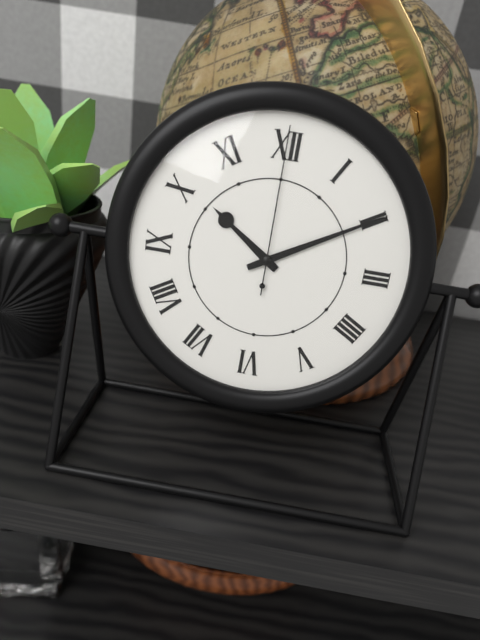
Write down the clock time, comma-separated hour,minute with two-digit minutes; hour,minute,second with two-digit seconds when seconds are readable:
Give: 10,10,00
